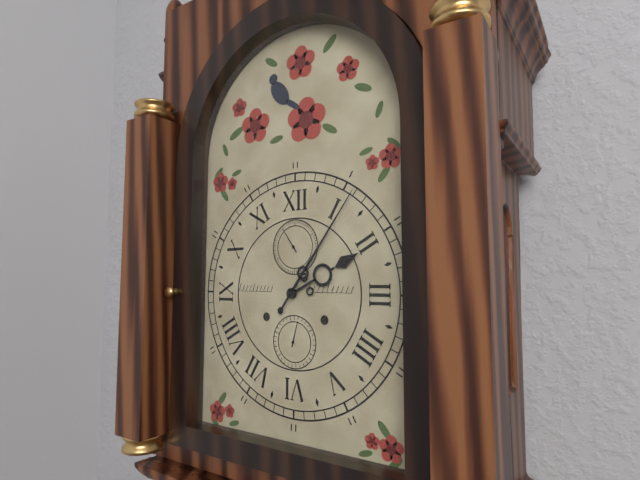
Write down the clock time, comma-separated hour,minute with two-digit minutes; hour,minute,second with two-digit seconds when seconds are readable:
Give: 2,06
